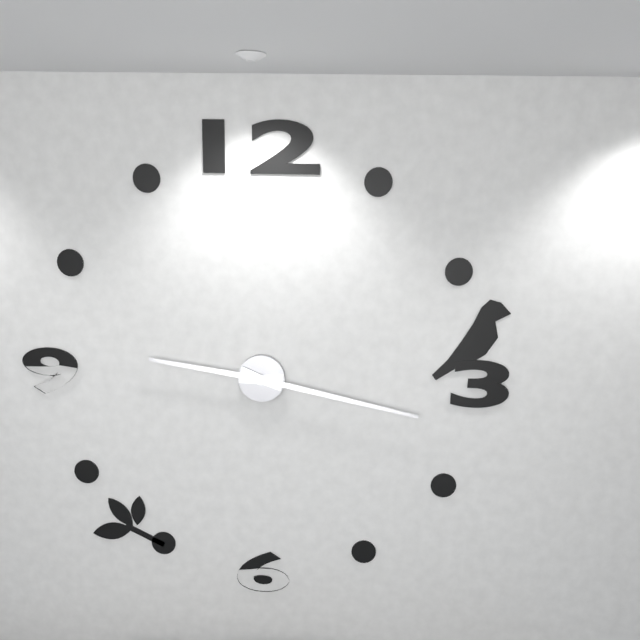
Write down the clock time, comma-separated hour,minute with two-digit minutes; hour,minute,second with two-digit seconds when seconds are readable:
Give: 9,17
